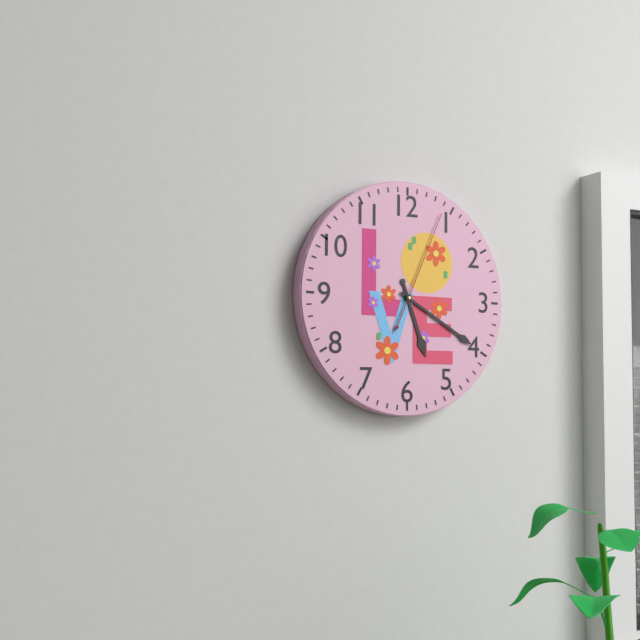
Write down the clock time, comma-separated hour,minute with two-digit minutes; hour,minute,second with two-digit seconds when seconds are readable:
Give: 5,20,04
